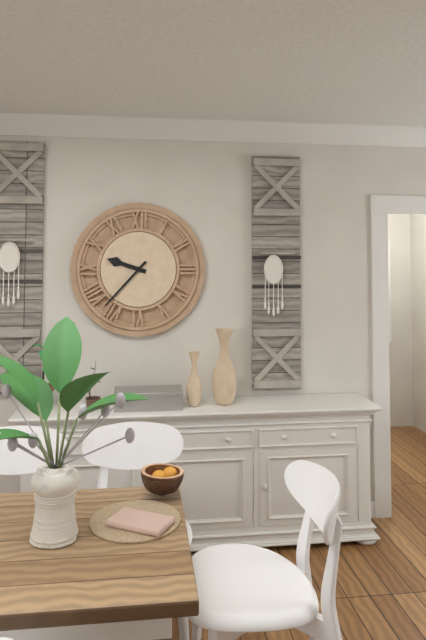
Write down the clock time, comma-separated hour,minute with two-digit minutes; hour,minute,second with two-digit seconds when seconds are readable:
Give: 9,37
